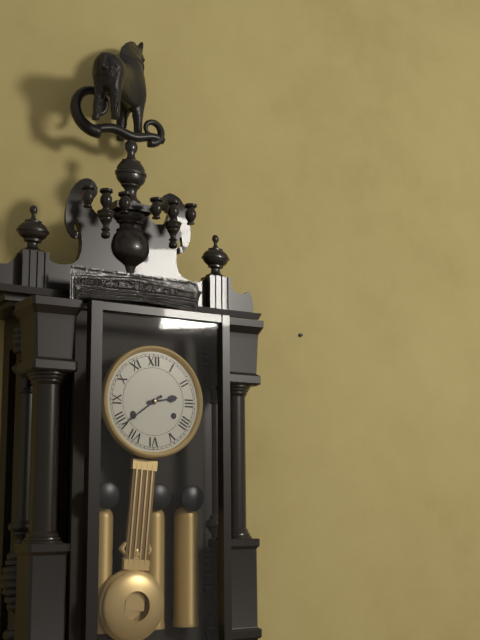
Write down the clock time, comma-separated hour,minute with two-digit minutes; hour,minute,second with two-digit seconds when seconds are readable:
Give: 2,39
